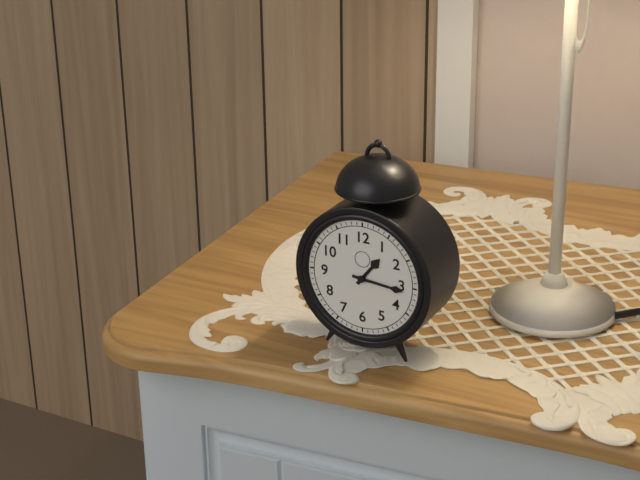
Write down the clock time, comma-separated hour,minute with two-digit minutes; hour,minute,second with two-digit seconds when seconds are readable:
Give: 1,16
